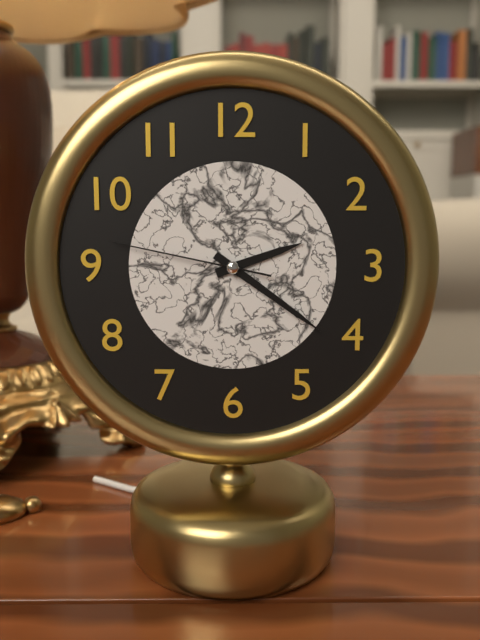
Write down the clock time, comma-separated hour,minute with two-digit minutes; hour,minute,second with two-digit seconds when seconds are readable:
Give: 2,21,47
